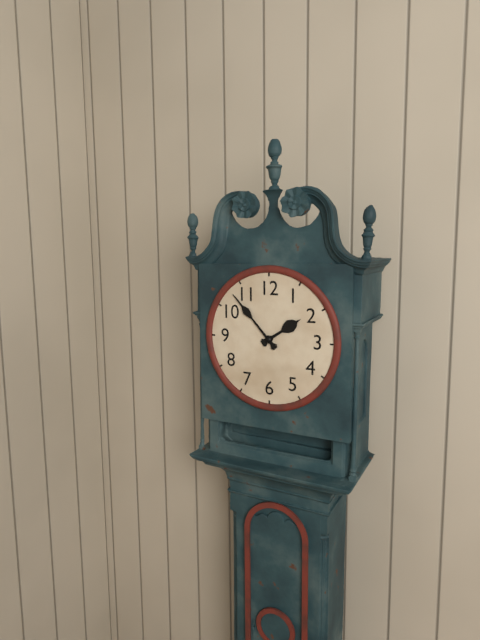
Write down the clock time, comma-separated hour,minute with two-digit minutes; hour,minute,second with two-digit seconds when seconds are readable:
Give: 1,53
